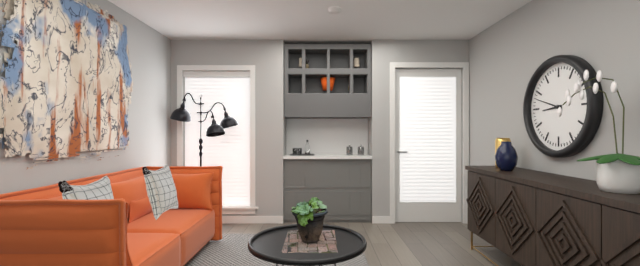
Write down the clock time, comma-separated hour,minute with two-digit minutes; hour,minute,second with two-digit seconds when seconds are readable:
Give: 8,48
